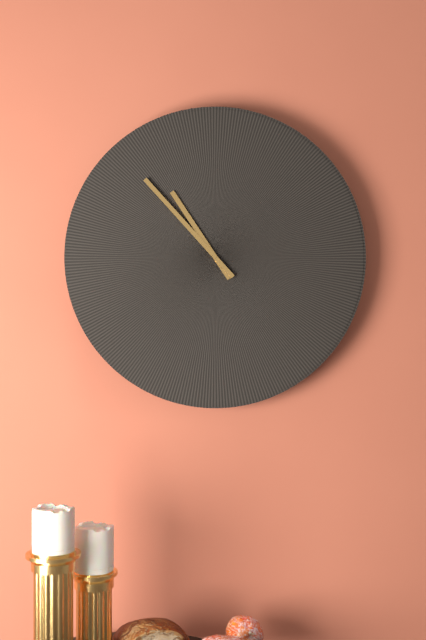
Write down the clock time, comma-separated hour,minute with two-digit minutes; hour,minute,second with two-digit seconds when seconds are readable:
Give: 10,53
